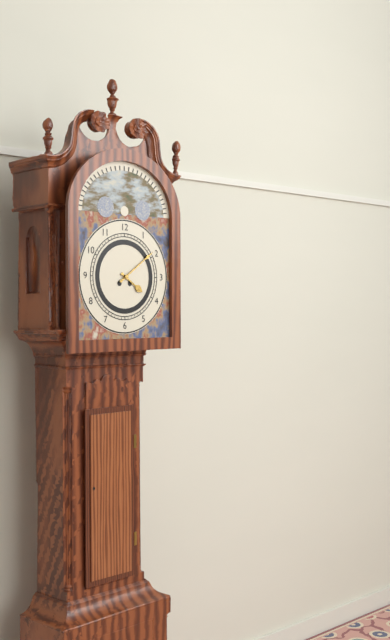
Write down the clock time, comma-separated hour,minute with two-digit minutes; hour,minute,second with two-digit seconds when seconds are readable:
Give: 4,09
